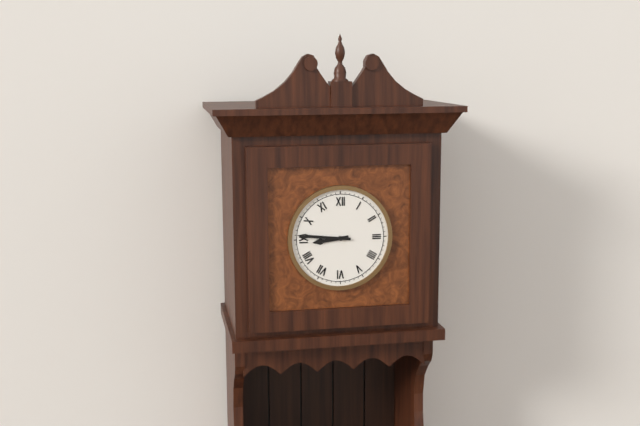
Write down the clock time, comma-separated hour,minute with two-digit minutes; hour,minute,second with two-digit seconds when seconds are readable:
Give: 8,46
